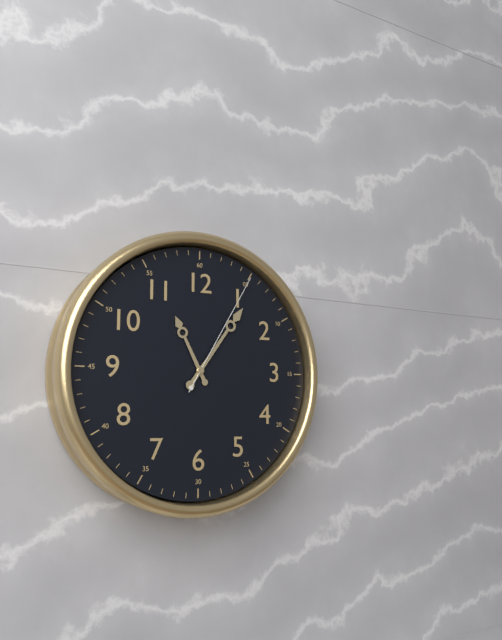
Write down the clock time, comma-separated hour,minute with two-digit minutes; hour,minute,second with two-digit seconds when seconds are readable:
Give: 11,06,05
